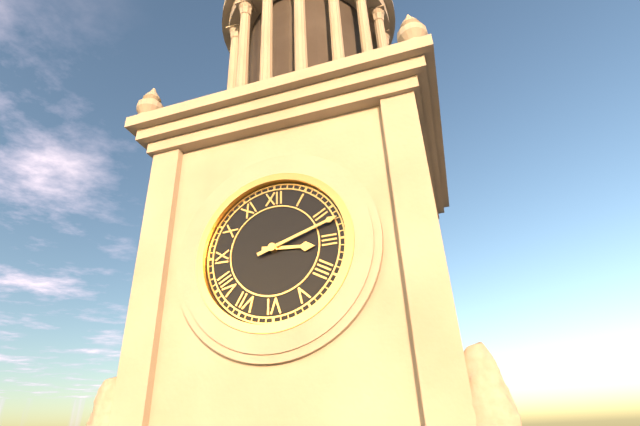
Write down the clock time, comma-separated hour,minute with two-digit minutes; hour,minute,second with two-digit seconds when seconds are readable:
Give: 3,12
